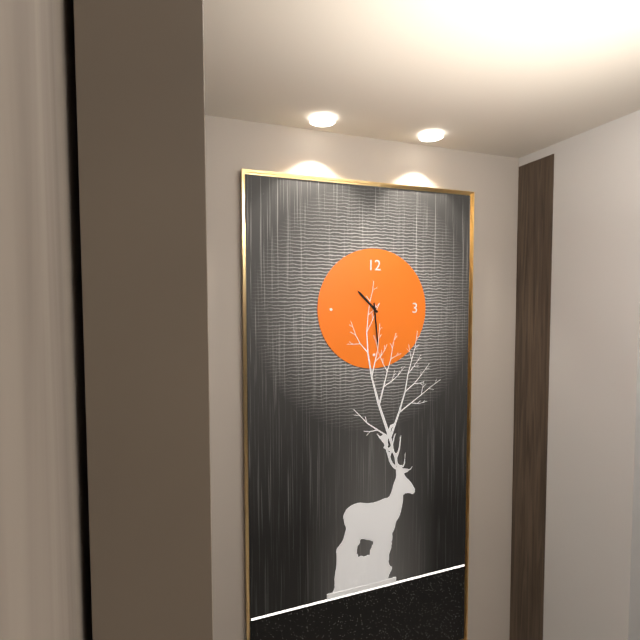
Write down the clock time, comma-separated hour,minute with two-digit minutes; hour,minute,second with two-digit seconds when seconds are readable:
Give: 10,29
